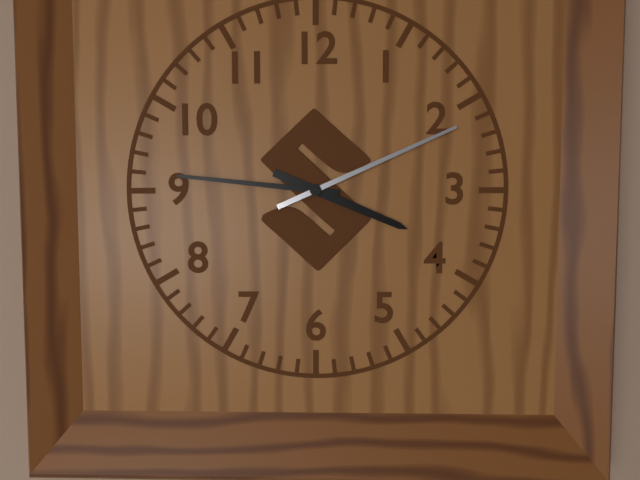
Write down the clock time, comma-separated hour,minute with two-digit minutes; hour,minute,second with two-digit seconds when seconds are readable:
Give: 3,46,11
